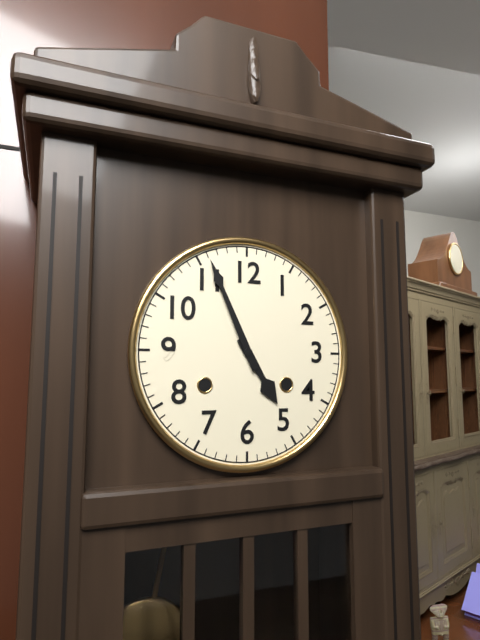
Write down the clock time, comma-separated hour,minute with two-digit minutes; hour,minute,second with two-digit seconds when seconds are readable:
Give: 4,56
